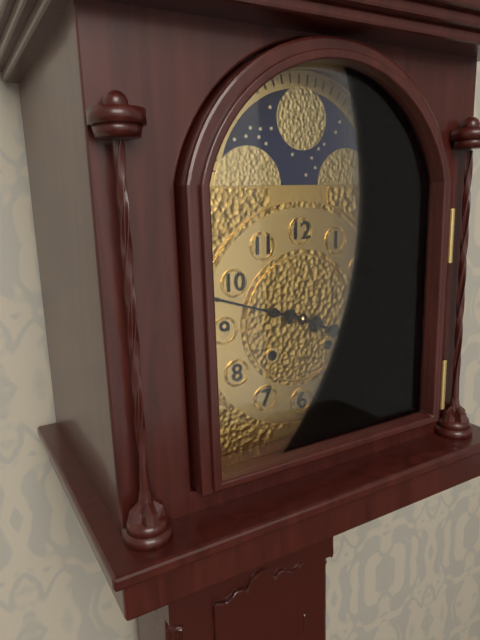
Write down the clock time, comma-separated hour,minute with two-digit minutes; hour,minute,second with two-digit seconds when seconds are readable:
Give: 3,48
